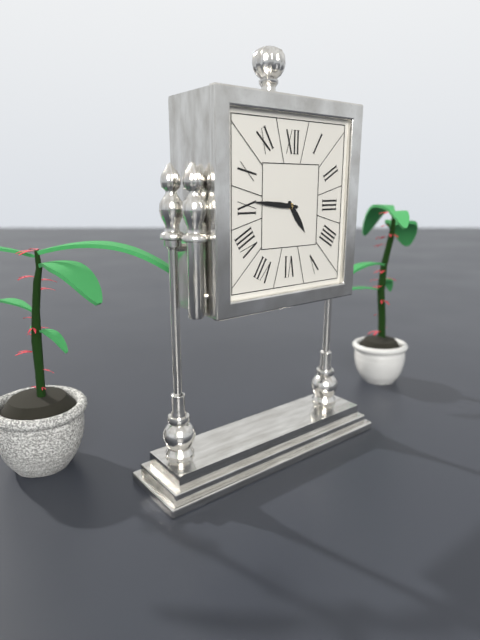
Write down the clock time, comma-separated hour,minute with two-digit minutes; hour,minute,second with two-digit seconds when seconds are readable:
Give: 4,46
